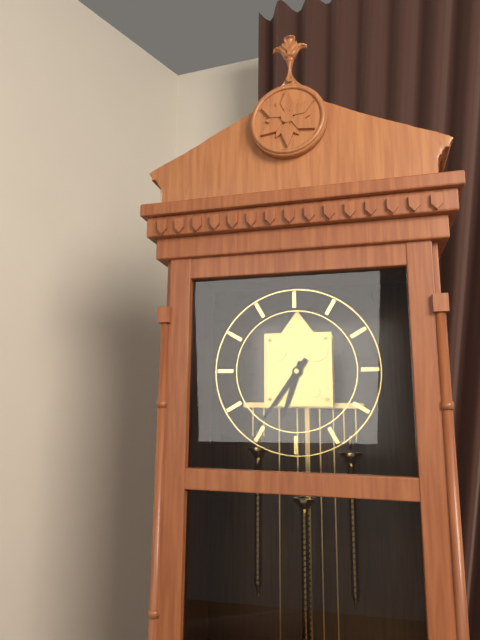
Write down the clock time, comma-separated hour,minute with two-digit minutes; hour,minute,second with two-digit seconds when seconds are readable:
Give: 6,36
